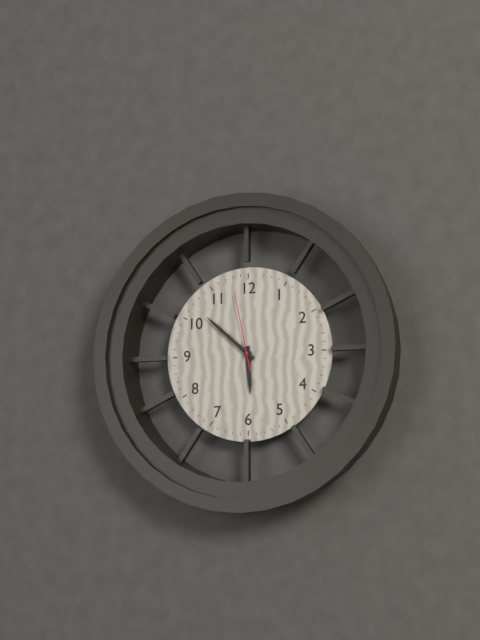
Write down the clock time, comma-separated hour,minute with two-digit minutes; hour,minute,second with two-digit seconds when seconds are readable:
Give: 5,52,58
